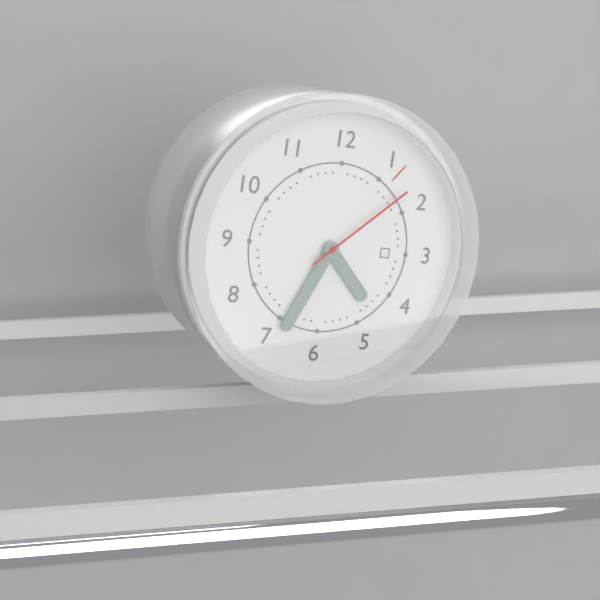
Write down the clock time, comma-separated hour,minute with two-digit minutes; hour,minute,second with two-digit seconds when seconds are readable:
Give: 4,34,08
